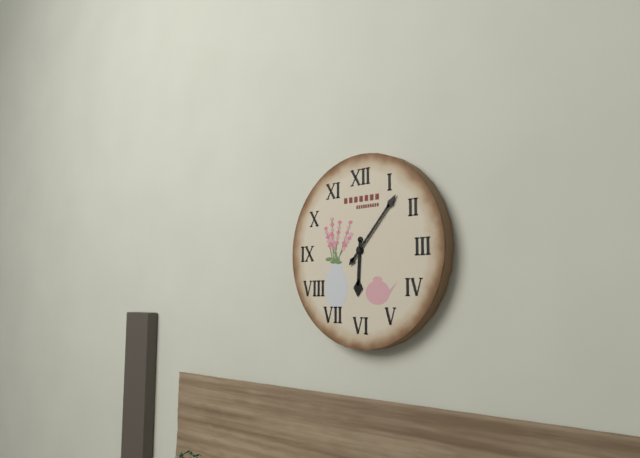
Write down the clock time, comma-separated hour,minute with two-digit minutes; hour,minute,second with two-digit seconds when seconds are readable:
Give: 6,07
